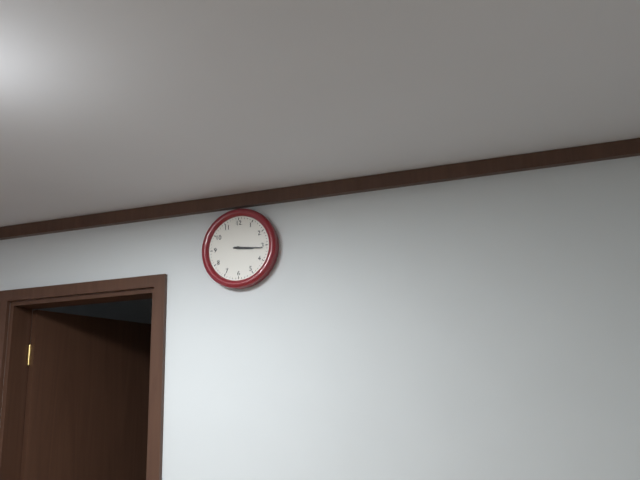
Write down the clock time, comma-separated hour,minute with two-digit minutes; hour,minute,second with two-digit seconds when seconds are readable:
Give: 3,16
